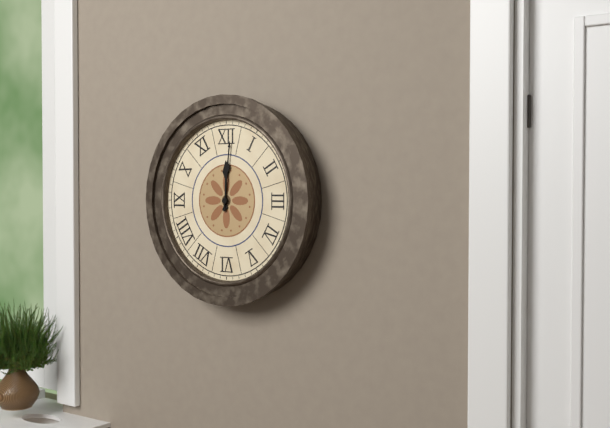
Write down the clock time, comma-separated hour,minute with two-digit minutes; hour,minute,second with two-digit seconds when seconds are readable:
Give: 12,01
